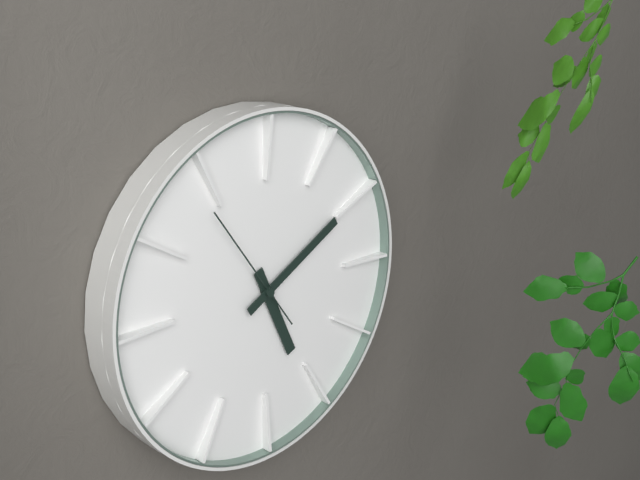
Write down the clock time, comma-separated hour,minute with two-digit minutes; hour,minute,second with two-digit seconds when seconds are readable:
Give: 5,10,54
